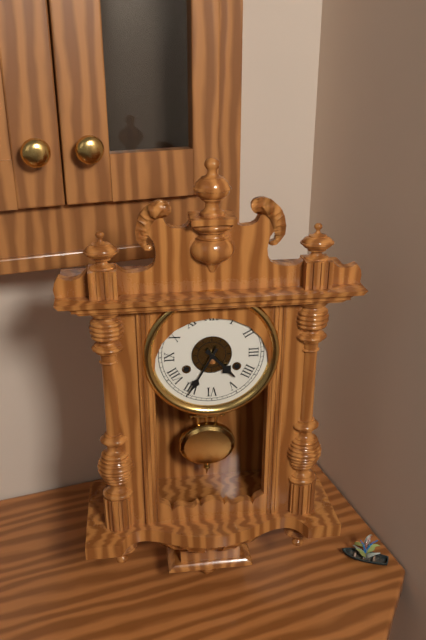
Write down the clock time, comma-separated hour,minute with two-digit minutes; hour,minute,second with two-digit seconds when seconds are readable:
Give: 4,35
